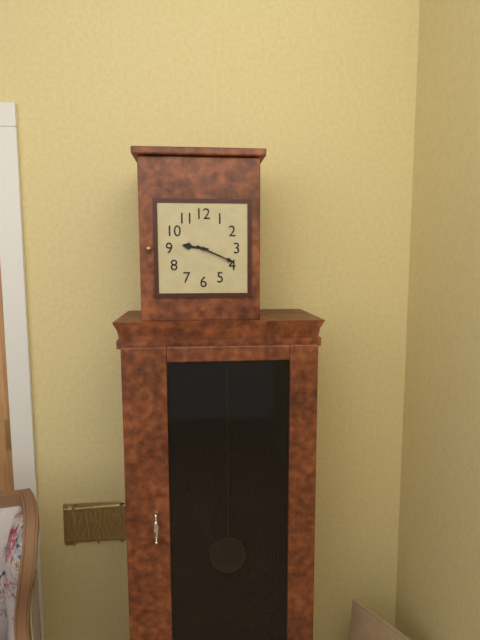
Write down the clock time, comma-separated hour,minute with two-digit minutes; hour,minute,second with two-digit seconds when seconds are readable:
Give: 9,19
